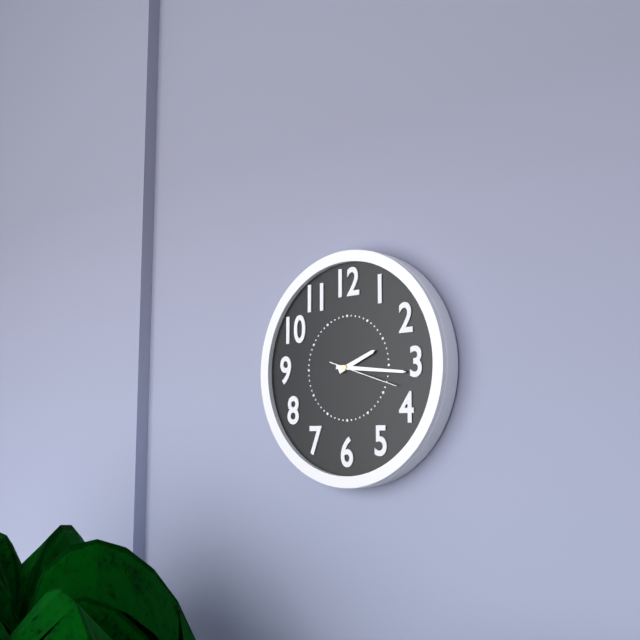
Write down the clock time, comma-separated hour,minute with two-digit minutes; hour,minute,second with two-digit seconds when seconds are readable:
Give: 2,16,18
